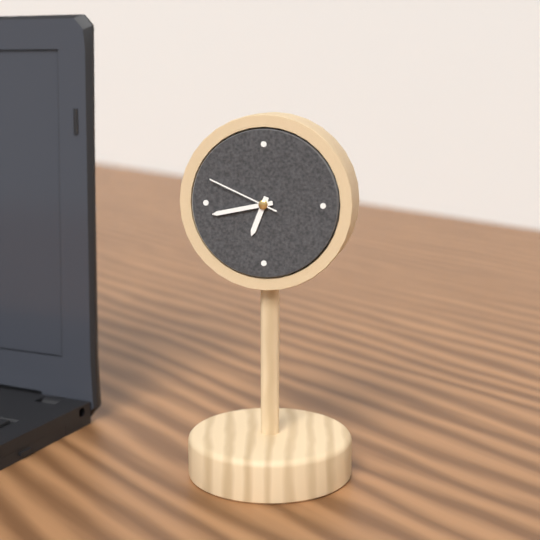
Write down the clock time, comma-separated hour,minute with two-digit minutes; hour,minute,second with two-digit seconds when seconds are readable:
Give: 6,43,49
